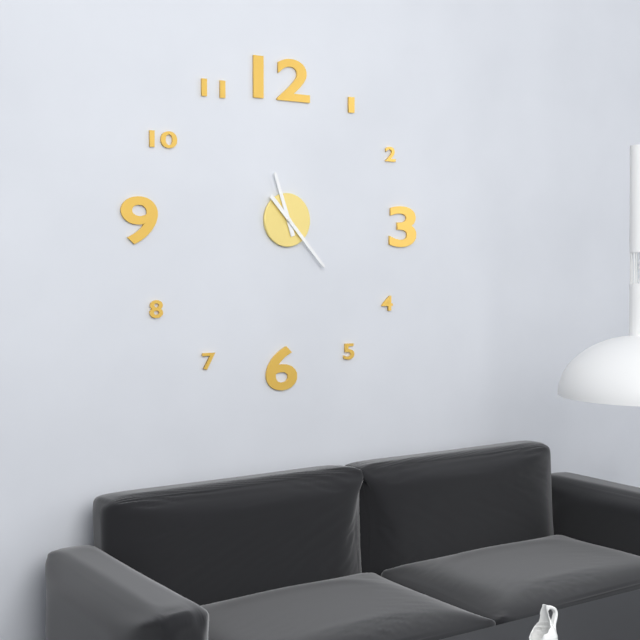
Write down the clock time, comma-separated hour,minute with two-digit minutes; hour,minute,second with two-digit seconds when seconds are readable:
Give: 11,23
